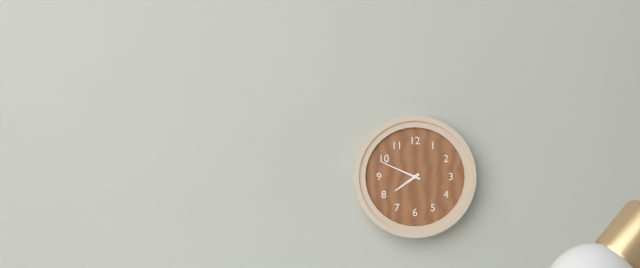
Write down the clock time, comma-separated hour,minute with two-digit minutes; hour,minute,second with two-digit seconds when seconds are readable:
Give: 7,49
